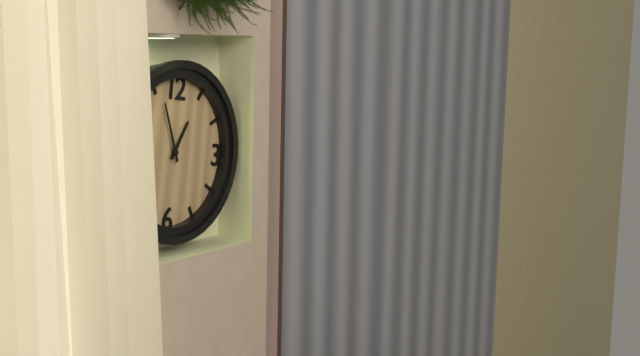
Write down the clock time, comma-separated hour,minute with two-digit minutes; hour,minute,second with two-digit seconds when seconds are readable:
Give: 12,56
